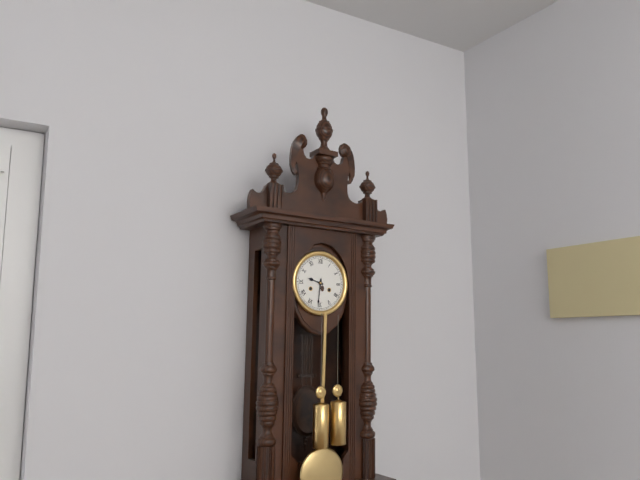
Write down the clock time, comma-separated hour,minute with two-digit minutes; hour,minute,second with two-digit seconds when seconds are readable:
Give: 9,31
